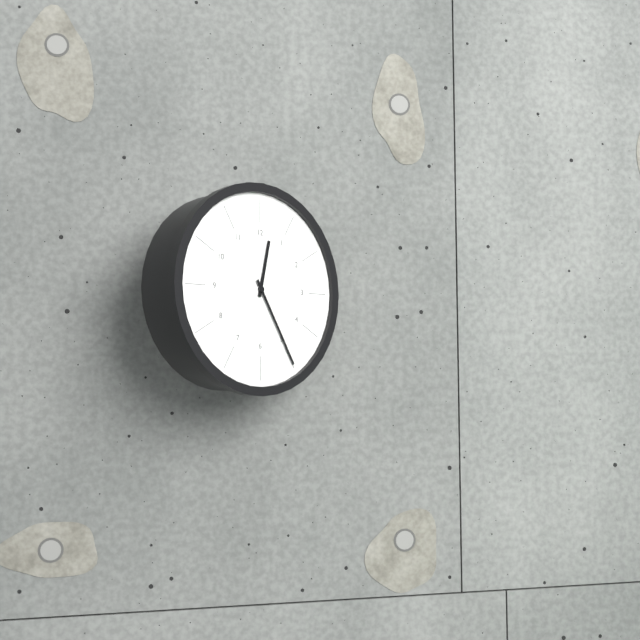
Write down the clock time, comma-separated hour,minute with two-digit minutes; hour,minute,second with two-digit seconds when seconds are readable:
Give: 12,25
